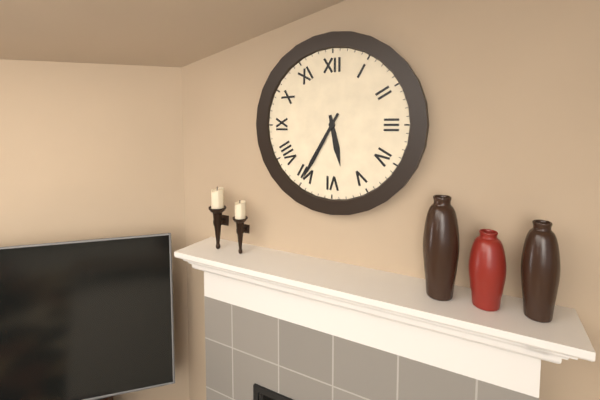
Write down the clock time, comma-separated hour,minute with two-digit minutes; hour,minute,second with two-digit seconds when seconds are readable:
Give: 5,35
